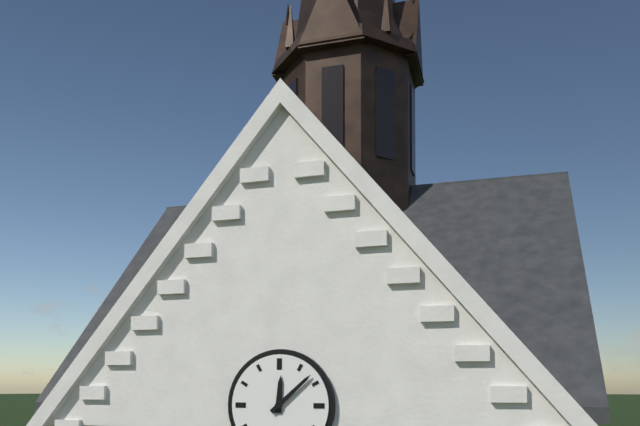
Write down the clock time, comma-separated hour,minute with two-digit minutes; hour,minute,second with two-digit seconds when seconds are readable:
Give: 12,08
